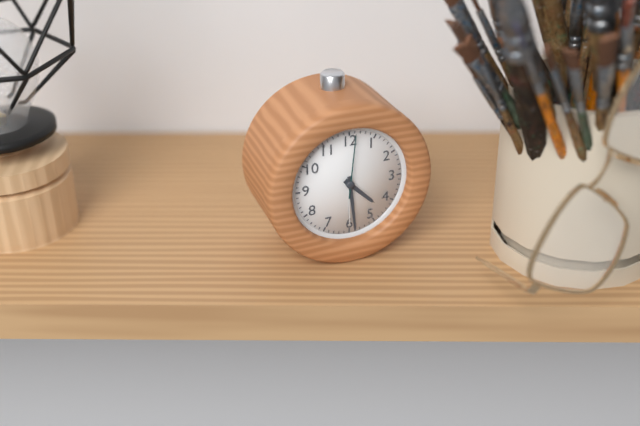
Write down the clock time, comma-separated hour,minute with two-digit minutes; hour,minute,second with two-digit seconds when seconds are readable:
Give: 4,29,01
